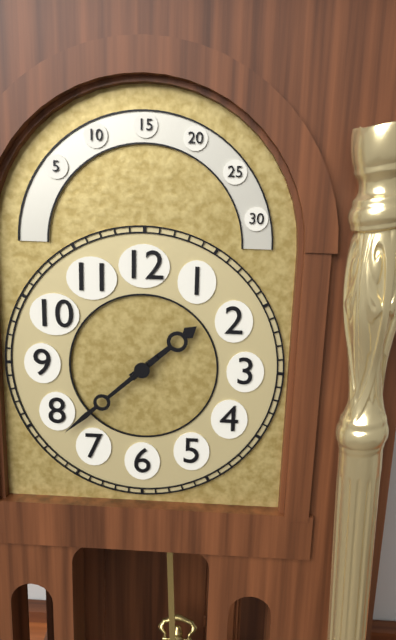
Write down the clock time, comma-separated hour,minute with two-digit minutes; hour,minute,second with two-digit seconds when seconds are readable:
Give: 1,38
